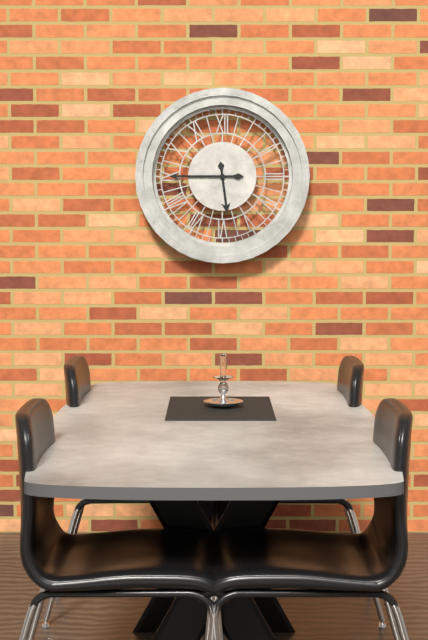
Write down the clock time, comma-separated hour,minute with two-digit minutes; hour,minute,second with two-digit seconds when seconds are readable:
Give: 5,45
